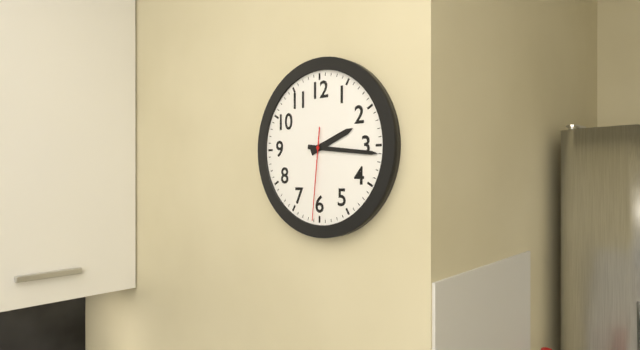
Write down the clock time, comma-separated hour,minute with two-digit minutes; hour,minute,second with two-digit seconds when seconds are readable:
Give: 2,16,31
